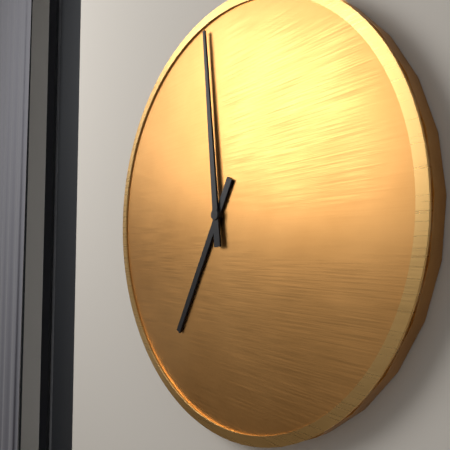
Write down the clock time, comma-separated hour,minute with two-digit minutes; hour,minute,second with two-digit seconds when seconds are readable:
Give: 6,59
